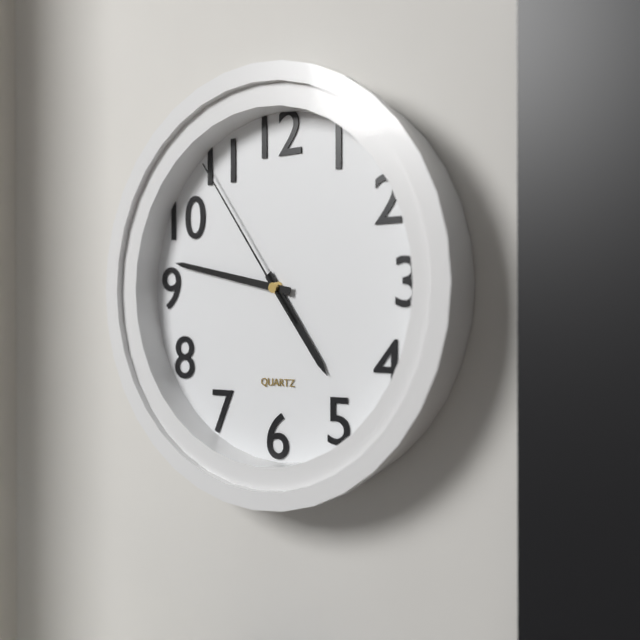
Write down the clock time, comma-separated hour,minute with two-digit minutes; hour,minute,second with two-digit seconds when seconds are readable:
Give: 4,47,54
